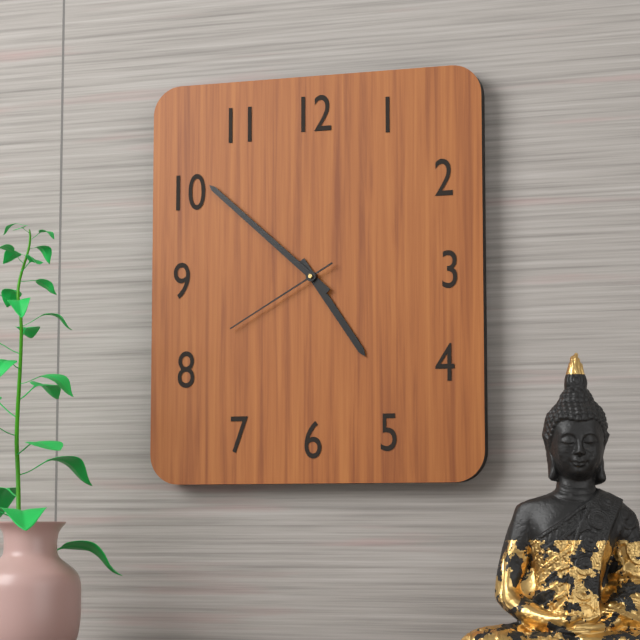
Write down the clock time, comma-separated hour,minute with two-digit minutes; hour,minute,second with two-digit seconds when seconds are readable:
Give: 4,52,40
